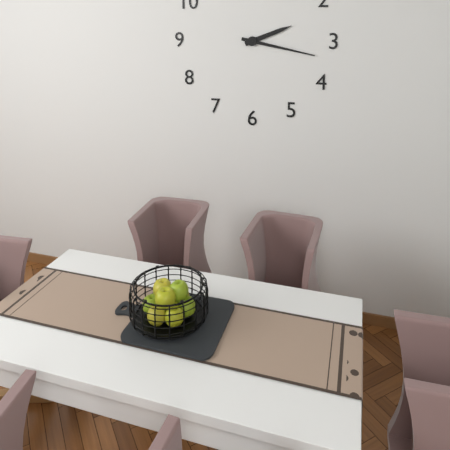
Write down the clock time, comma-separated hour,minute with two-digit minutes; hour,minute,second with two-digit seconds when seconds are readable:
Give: 2,17
